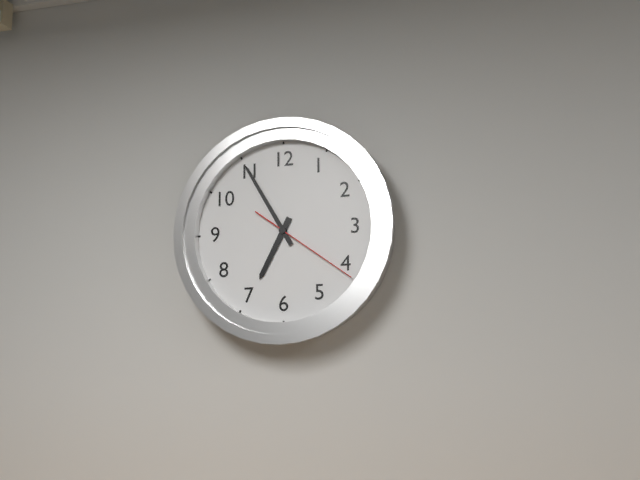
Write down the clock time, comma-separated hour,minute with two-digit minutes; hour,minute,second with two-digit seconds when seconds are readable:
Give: 6,55,21
